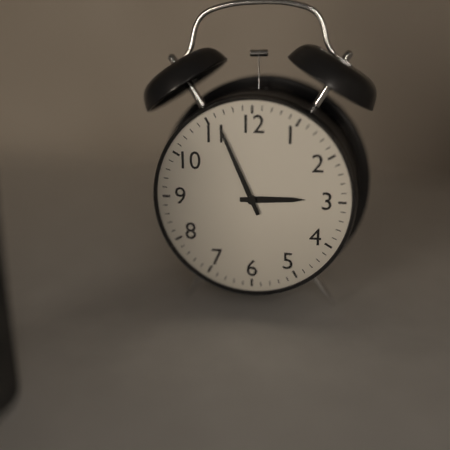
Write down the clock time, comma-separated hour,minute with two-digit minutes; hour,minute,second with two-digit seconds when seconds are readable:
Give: 2,56
